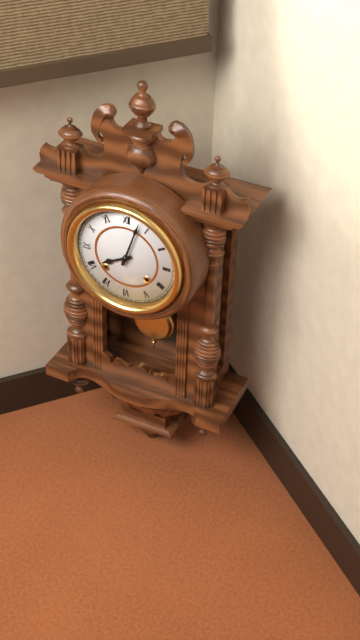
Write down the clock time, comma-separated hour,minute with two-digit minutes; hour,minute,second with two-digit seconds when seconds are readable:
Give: 8,03
